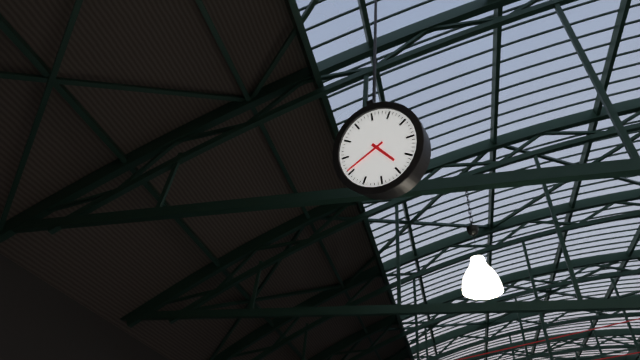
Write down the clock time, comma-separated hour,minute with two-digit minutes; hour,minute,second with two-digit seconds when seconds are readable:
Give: 4,41
